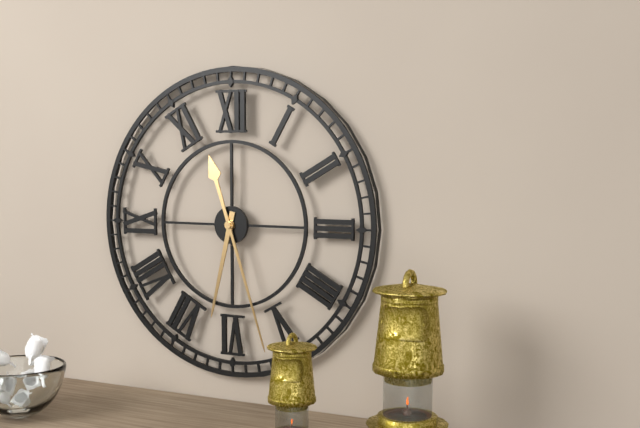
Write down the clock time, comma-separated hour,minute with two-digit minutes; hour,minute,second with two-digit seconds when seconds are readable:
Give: 6,27
